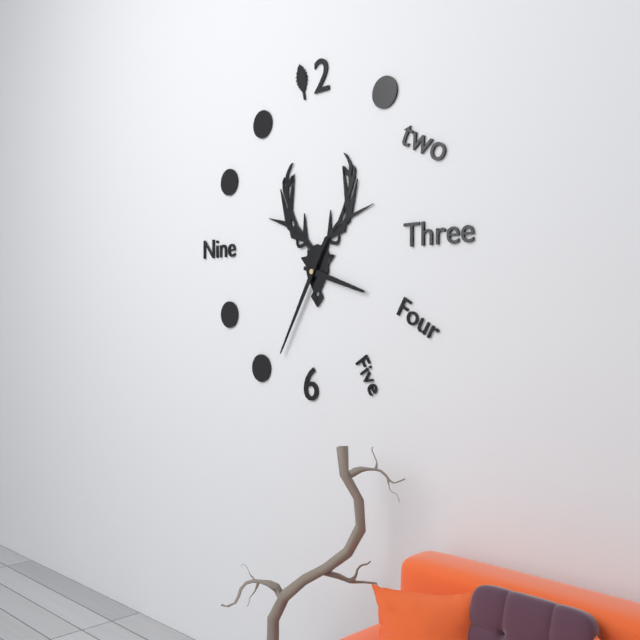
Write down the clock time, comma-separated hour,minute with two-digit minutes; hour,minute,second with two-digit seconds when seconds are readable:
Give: 3,35
